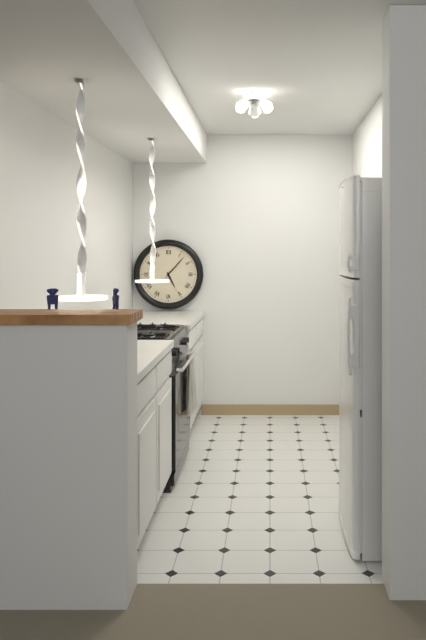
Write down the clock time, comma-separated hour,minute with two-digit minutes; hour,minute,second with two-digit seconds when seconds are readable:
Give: 5,07
